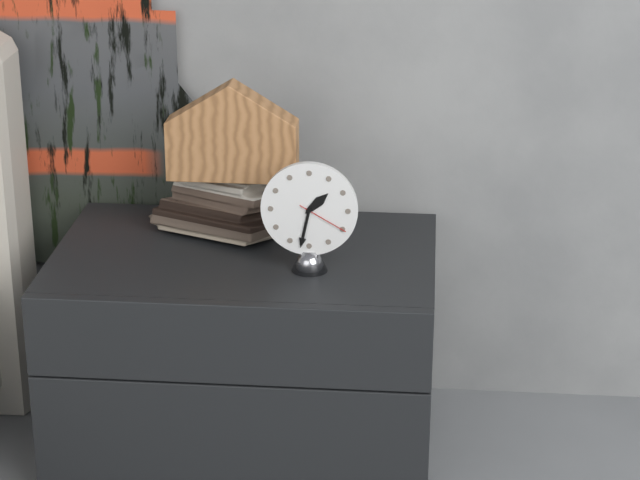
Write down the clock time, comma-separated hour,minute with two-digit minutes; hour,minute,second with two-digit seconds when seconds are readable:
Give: 1,32,20
